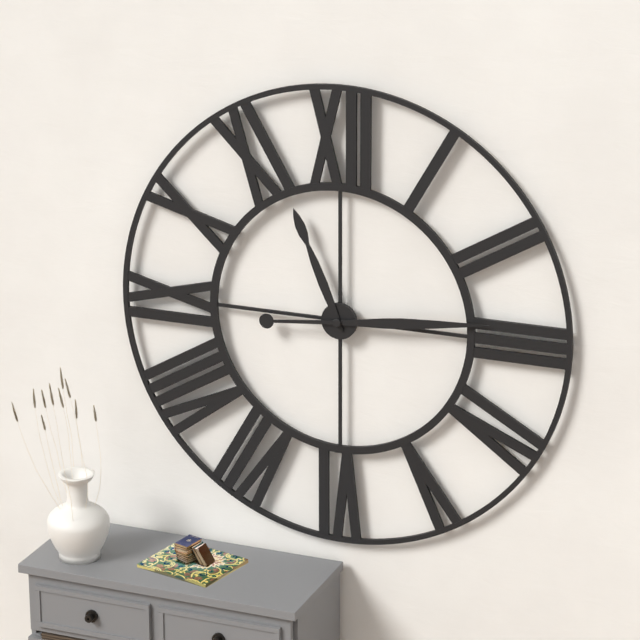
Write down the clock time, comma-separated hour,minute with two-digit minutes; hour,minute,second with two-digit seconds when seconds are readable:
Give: 11,14
